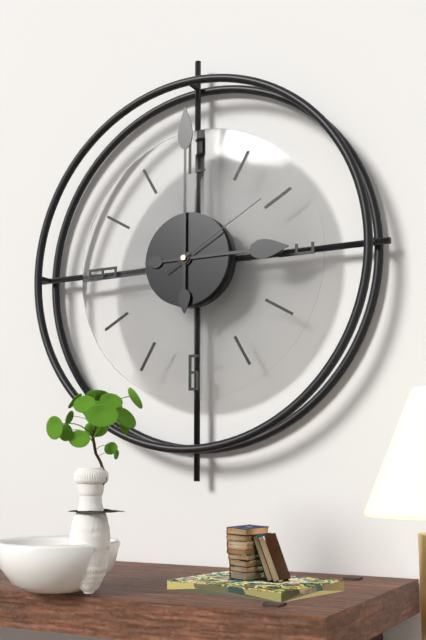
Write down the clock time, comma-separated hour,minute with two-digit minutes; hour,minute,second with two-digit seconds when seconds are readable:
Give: 3,00,10
